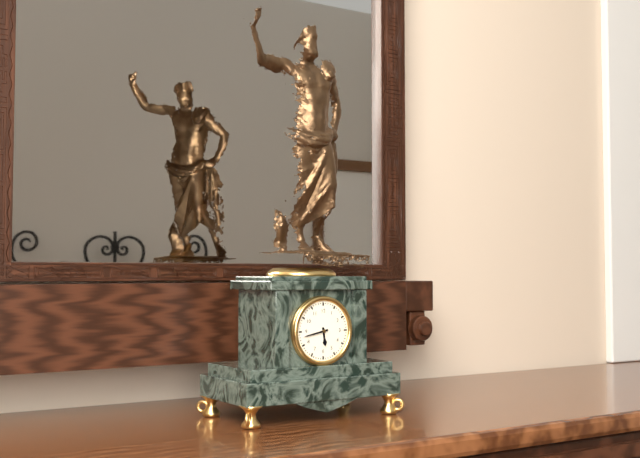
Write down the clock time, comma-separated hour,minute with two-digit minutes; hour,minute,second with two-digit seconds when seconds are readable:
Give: 5,43
